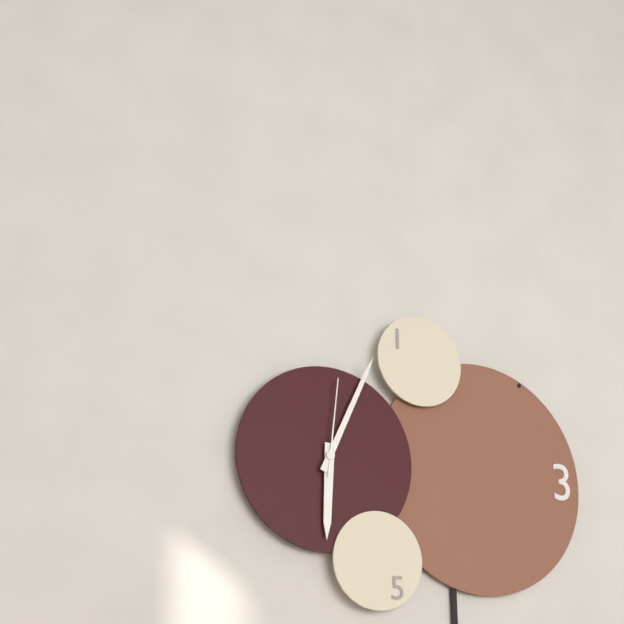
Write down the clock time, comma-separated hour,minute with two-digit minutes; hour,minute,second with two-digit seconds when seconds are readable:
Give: 6,04,01
